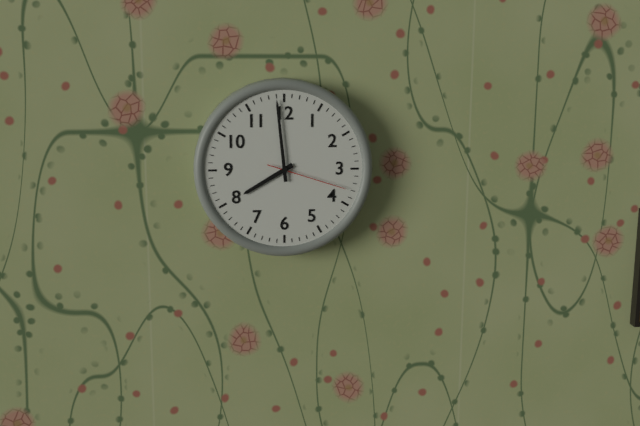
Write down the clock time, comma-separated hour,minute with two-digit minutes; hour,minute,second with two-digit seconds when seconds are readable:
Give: 7,59,18
